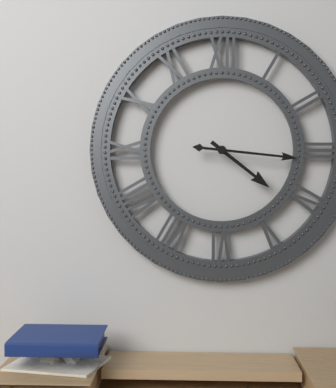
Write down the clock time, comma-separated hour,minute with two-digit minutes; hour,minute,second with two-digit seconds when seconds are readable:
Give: 4,16
